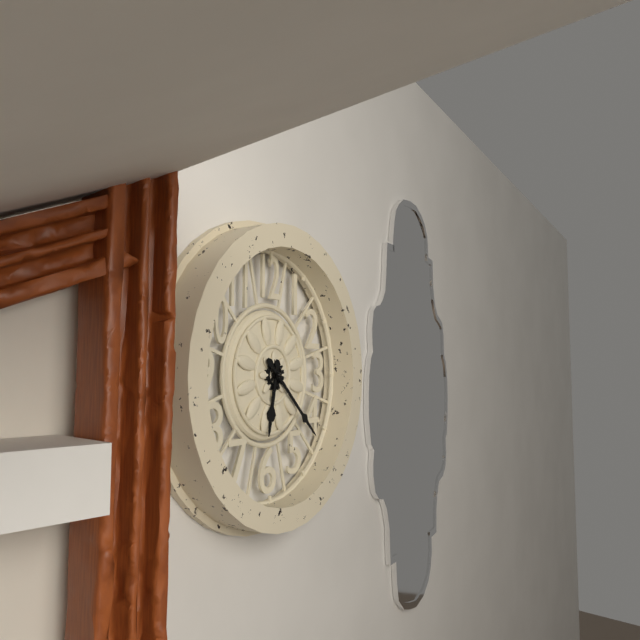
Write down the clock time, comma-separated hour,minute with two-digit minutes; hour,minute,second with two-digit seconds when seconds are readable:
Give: 6,22
